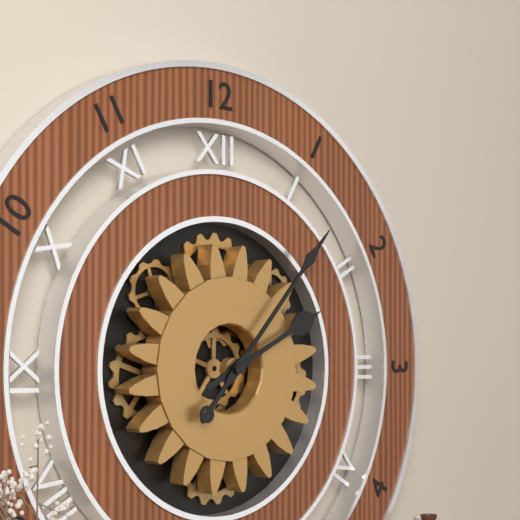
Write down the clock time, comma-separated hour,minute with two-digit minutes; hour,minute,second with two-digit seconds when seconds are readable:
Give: 2,07
